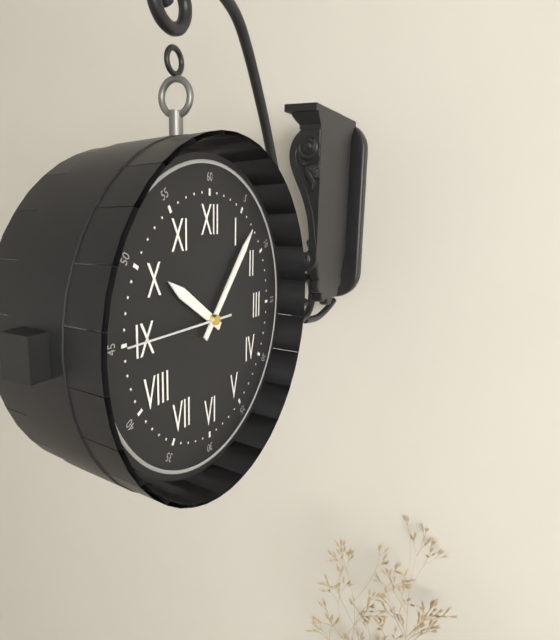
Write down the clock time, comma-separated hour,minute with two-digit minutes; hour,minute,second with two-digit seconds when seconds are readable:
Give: 10,07,45
